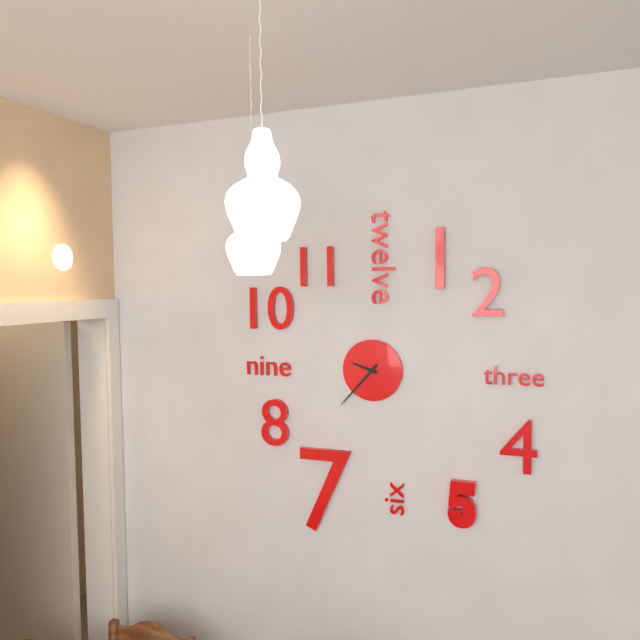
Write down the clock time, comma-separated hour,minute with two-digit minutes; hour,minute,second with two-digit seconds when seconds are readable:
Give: 9,37
